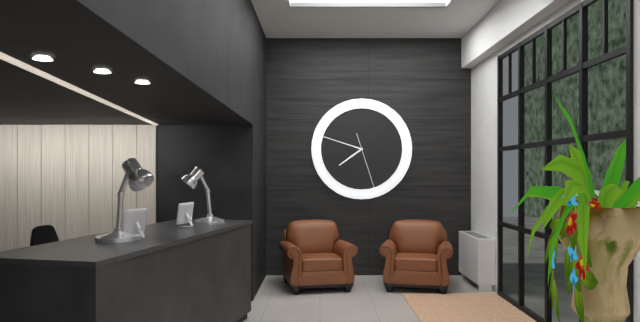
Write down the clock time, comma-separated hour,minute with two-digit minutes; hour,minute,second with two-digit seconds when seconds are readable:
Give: 7,48,27
